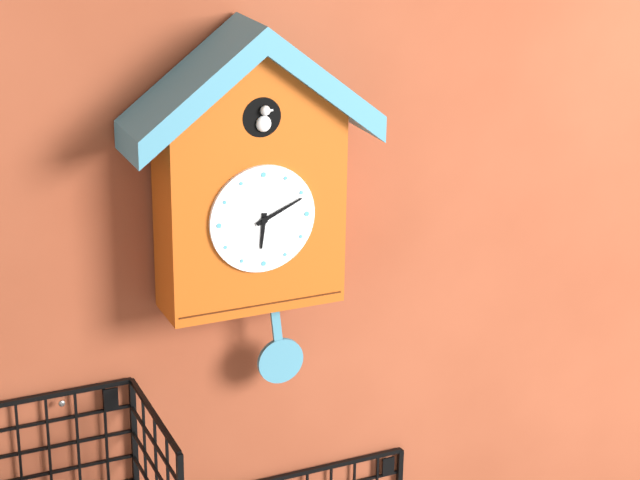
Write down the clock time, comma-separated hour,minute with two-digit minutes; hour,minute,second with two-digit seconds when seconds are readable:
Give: 6,11
